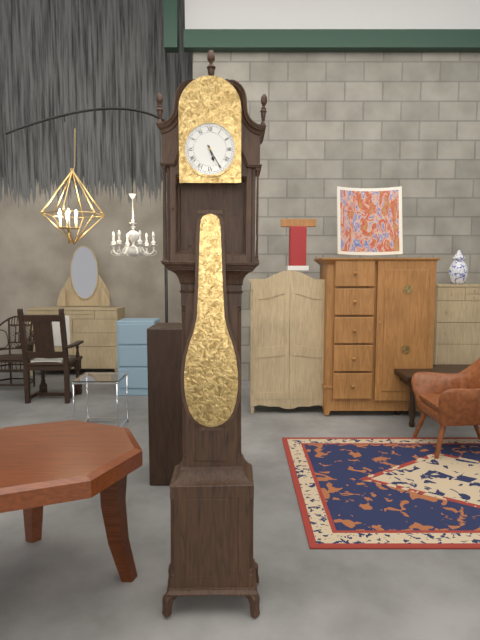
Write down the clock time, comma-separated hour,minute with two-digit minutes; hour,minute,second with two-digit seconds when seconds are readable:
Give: 5,25
